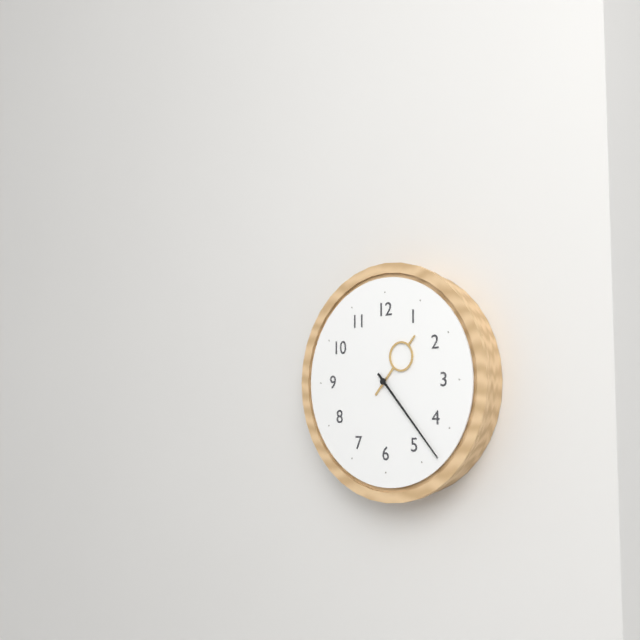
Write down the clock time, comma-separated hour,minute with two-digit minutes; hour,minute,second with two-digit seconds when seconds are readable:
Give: 1,23
